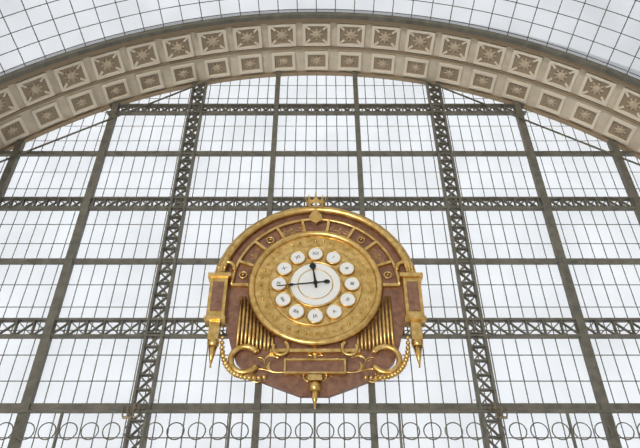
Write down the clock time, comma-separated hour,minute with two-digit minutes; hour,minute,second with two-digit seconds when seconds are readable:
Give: 11,44
